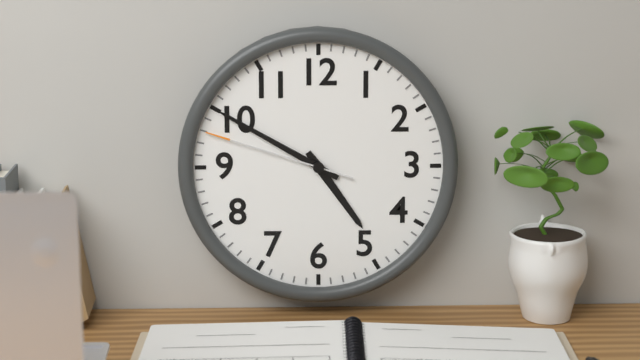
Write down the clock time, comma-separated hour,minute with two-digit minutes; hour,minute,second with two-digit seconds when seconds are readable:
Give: 4,50,48
